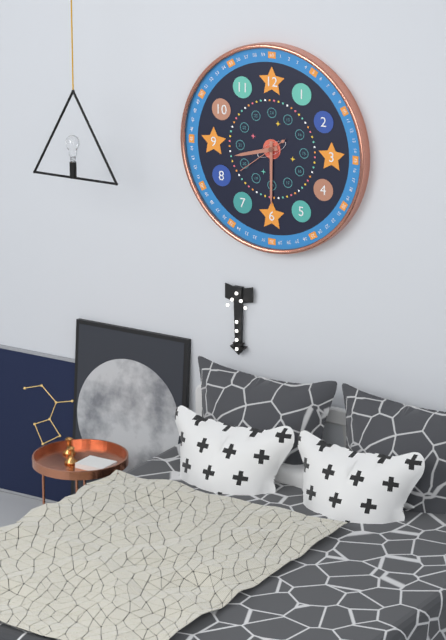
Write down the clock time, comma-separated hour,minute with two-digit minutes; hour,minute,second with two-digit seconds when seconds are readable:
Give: 8,30,39
